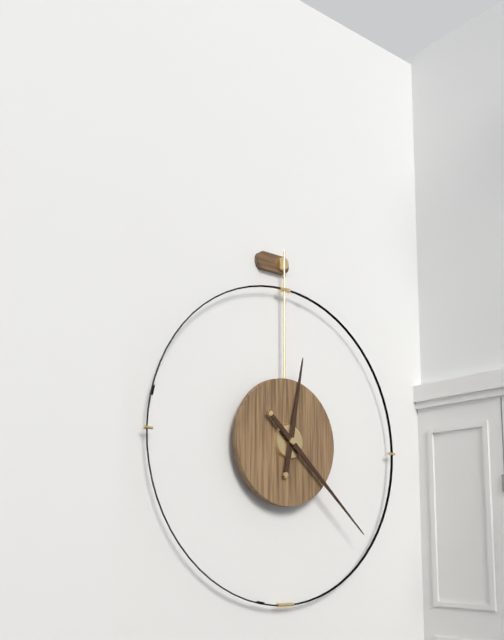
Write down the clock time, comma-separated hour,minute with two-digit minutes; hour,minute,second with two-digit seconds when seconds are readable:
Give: 12,22
